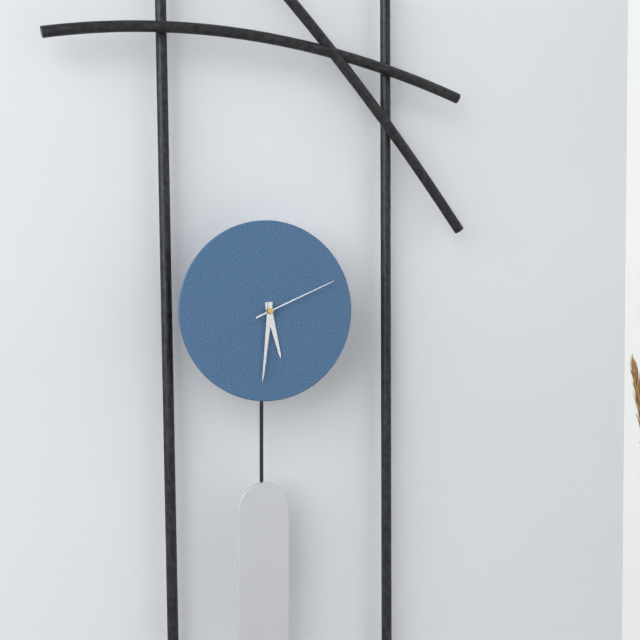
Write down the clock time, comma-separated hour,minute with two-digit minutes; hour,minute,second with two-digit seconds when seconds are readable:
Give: 5,31,11
